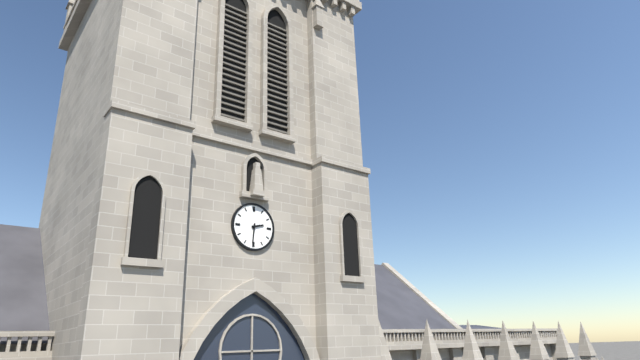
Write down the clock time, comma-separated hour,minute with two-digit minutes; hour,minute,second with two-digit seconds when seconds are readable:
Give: 2,31
